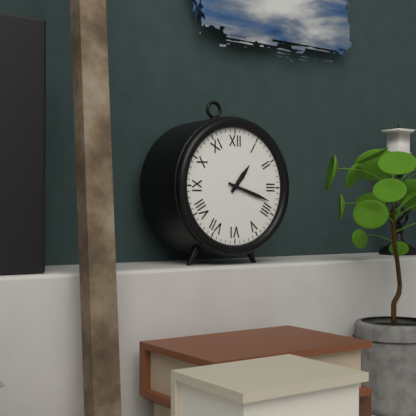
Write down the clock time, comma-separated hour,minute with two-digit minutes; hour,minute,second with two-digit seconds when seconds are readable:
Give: 1,18
